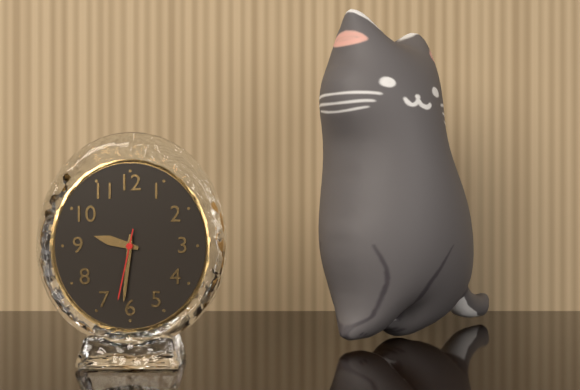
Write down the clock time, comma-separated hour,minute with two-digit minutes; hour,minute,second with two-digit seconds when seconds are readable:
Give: 9,31,32
